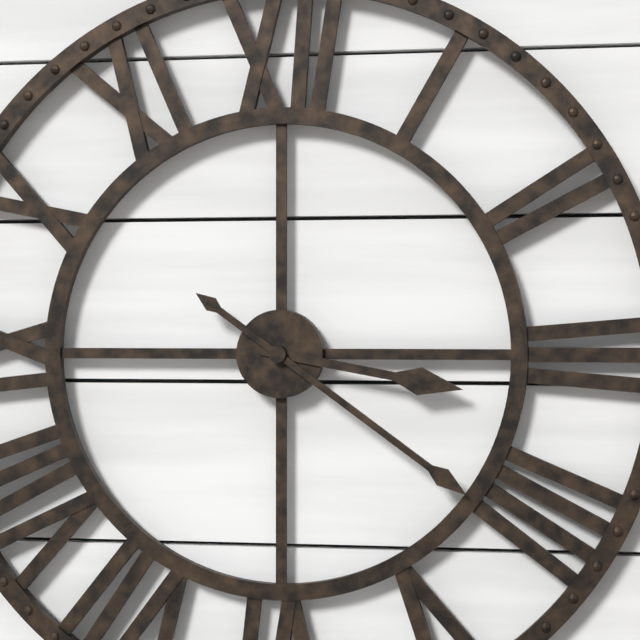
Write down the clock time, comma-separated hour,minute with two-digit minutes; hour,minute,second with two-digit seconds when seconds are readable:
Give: 3,21
